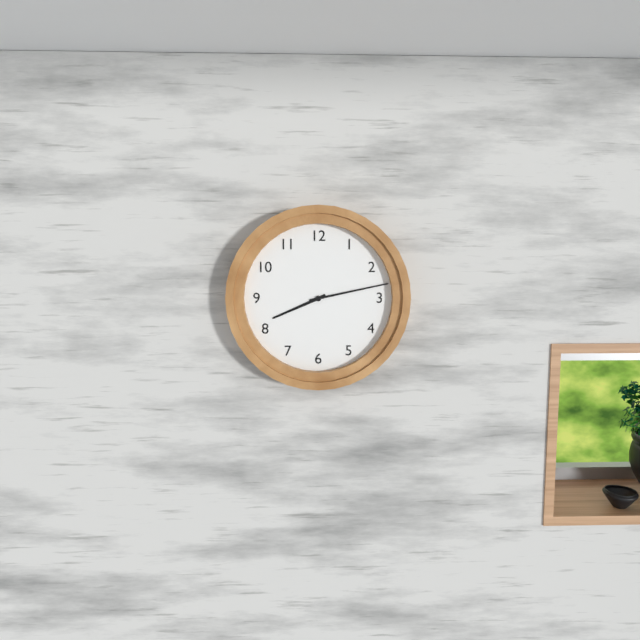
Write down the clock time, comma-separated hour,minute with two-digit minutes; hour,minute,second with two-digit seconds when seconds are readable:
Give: 8,13
